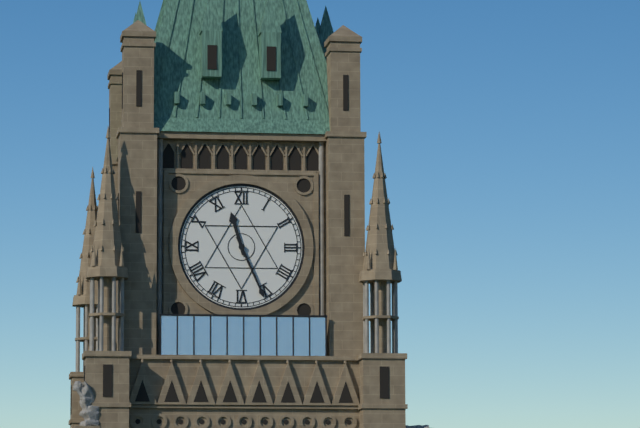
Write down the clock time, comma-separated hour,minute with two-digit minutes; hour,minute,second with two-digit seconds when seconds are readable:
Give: 11,26
